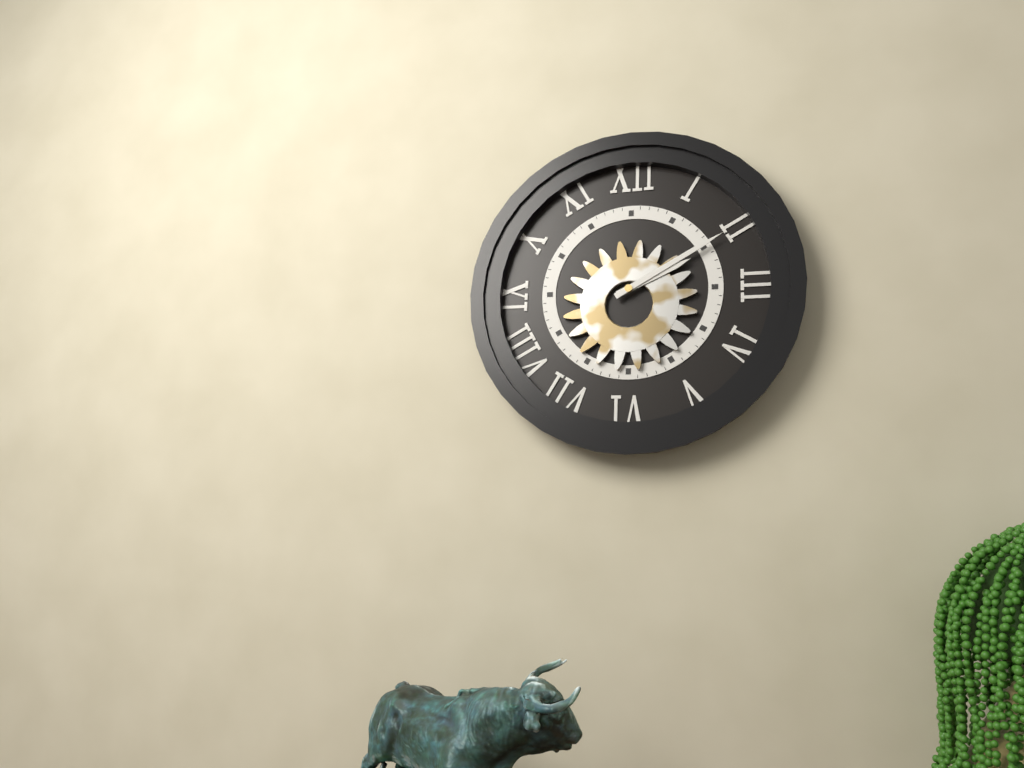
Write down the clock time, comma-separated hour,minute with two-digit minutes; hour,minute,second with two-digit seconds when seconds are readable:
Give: 2,10
